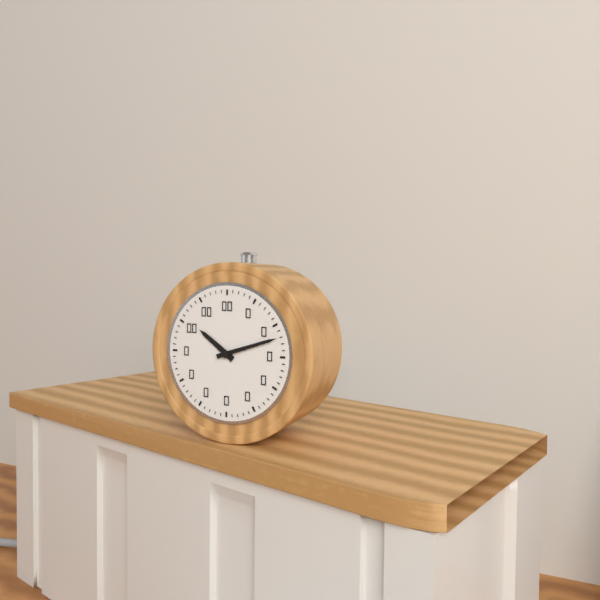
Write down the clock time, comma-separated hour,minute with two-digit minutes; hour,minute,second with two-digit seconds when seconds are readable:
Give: 10,12
